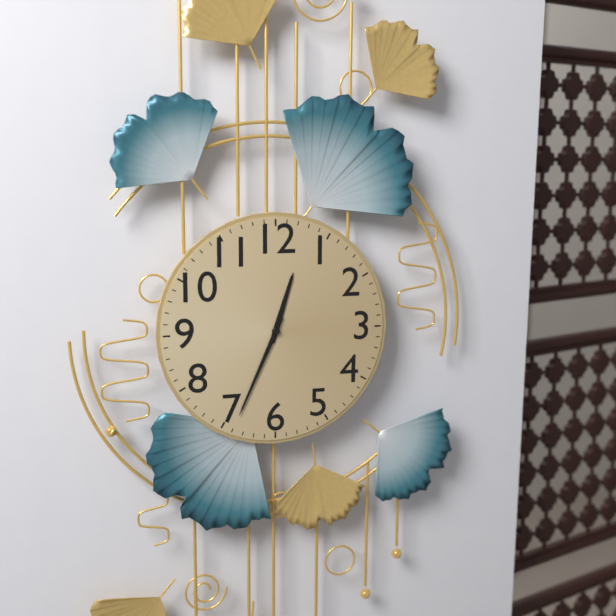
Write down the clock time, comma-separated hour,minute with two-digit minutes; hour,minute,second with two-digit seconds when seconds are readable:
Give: 12,34
